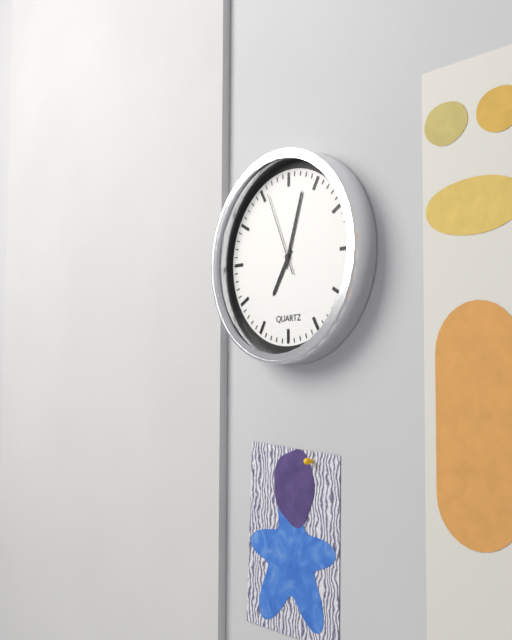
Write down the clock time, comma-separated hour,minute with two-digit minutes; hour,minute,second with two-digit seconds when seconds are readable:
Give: 7,03,56
